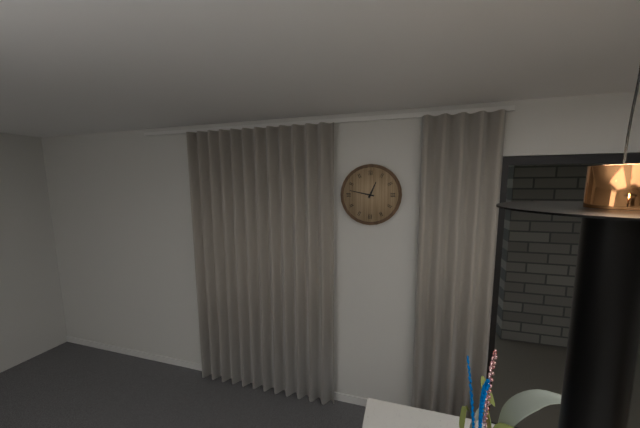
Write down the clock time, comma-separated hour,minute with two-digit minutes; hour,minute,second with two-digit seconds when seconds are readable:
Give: 12,47
